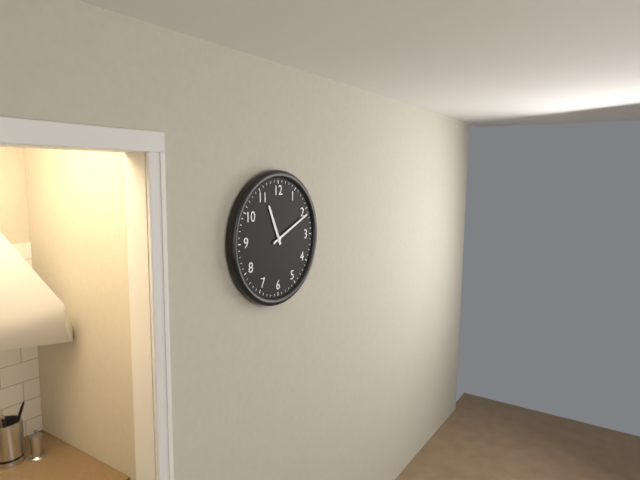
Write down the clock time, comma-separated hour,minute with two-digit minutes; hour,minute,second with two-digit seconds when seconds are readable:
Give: 11,11
